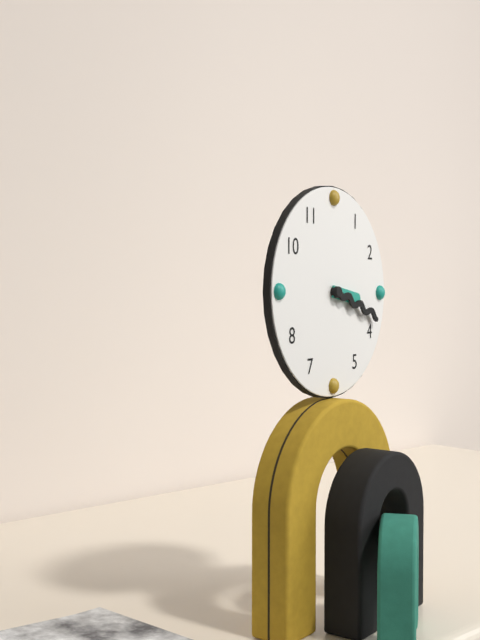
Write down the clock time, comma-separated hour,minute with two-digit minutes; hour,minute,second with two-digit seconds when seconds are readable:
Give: 3,18
